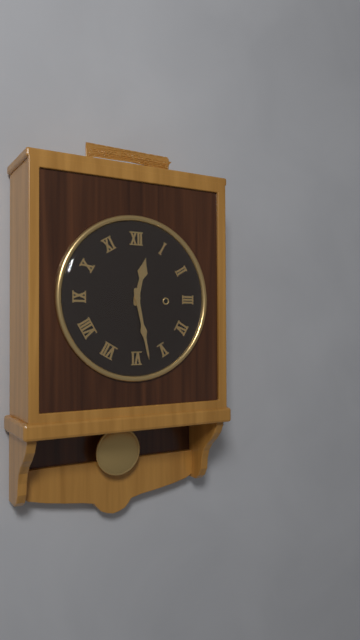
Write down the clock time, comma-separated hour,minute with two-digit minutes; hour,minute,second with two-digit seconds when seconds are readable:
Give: 12,28
